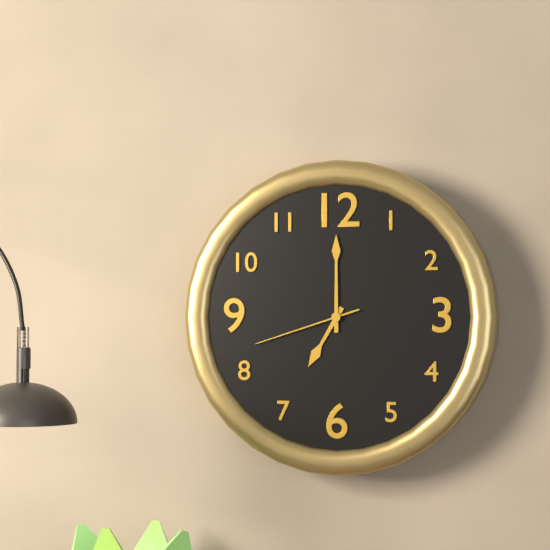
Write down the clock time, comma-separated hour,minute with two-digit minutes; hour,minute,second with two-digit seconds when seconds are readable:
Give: 7,00,42
